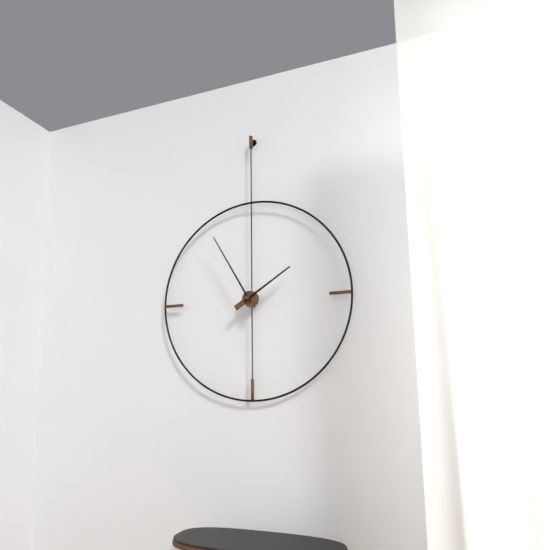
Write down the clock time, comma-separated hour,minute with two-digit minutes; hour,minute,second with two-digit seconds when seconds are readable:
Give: 1,55
